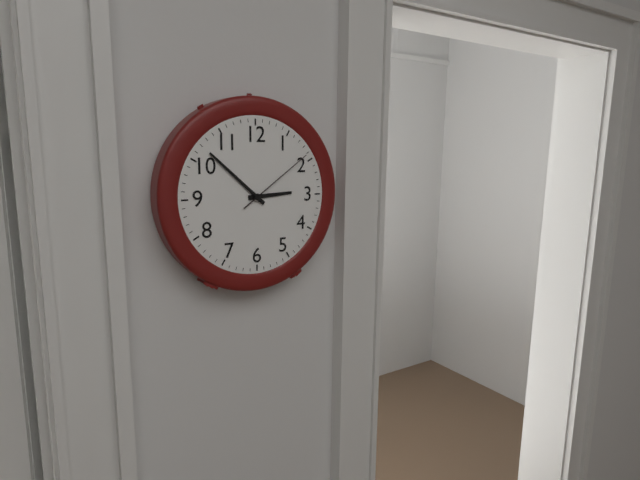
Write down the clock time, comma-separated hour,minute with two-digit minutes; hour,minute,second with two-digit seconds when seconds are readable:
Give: 2,52,09
